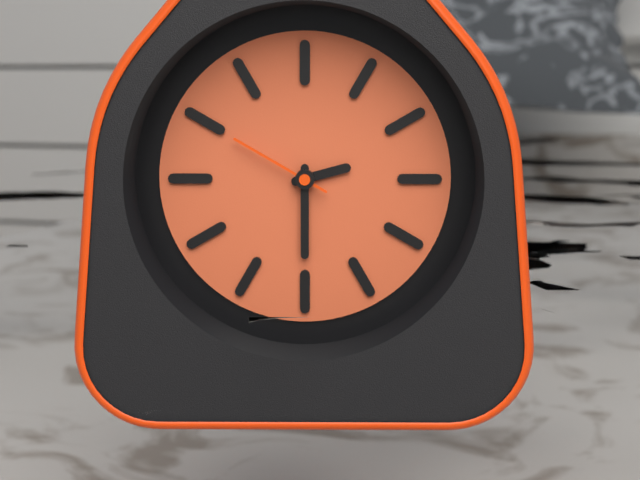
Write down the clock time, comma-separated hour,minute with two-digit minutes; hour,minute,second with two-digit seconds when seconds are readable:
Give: 2,30,50
